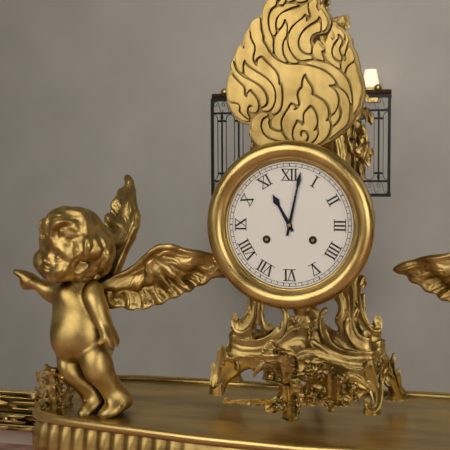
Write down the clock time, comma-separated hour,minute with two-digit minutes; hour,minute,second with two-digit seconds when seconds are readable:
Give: 11,02
